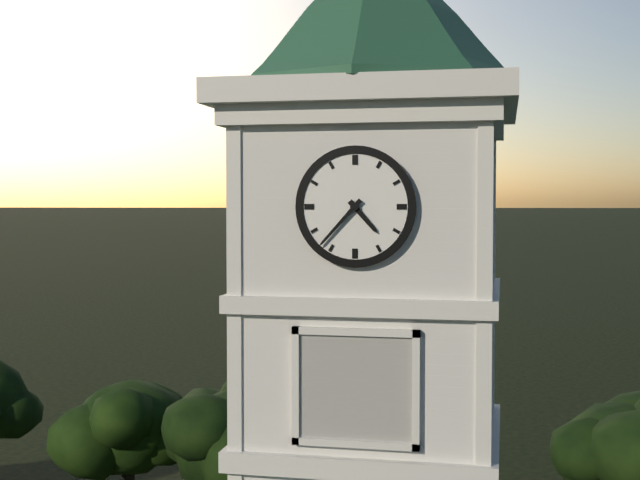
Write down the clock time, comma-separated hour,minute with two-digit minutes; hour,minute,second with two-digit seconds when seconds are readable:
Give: 4,37
